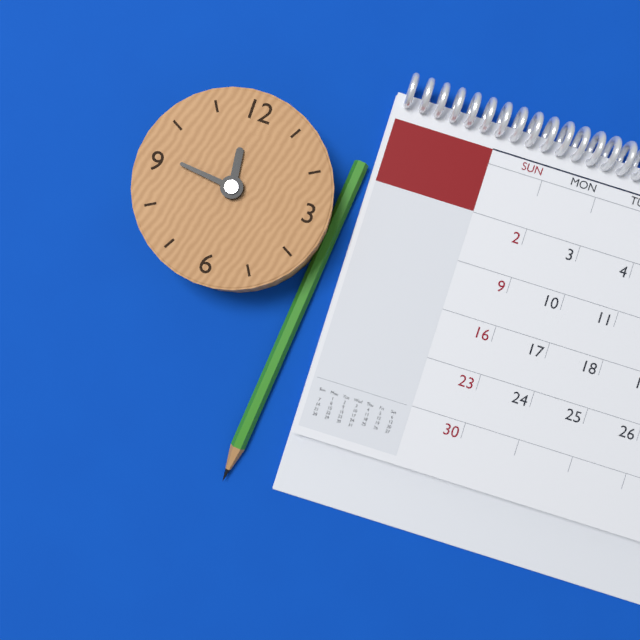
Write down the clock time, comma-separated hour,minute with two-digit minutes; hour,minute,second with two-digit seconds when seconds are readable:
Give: 11,46
